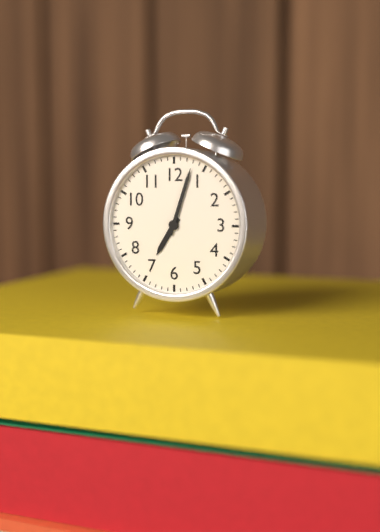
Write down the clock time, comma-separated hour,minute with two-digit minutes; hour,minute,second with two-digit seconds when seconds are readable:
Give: 7,03
